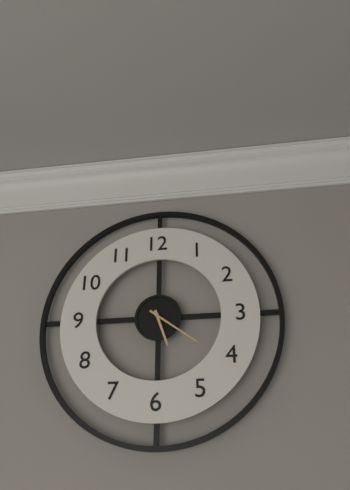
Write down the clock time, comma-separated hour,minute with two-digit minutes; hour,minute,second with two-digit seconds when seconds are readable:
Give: 5,21
